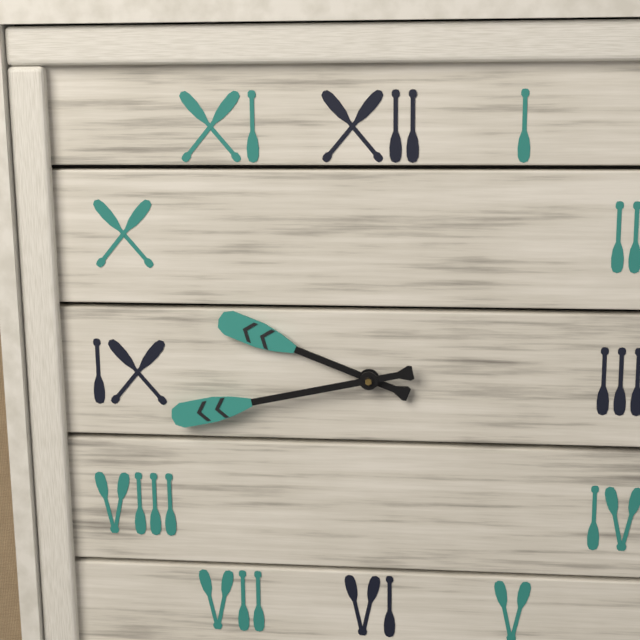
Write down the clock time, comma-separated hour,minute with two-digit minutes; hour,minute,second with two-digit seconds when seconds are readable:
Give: 9,43
